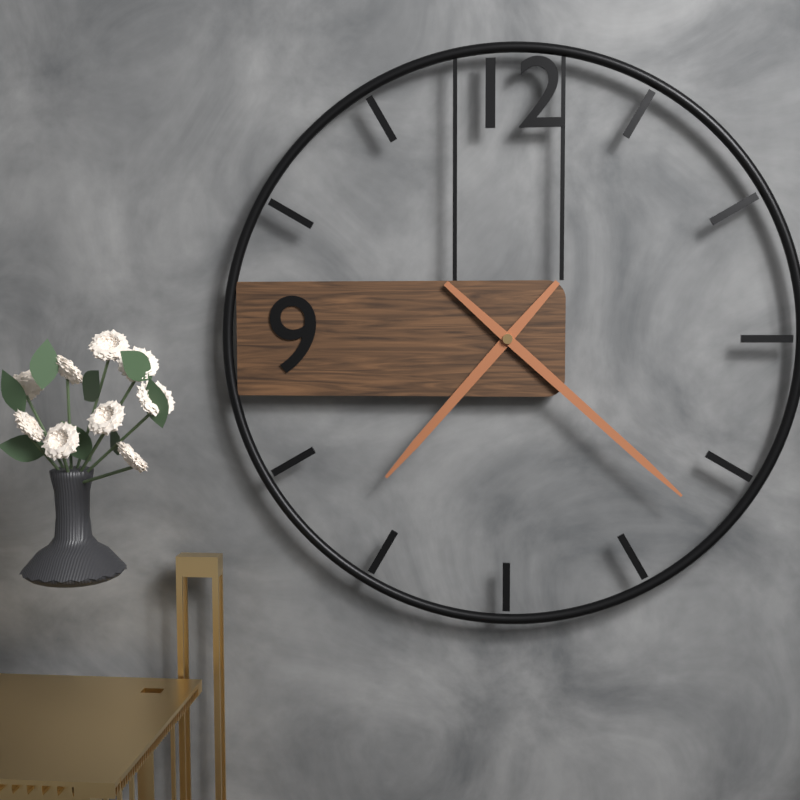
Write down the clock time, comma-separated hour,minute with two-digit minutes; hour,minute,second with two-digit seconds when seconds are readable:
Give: 7,22
